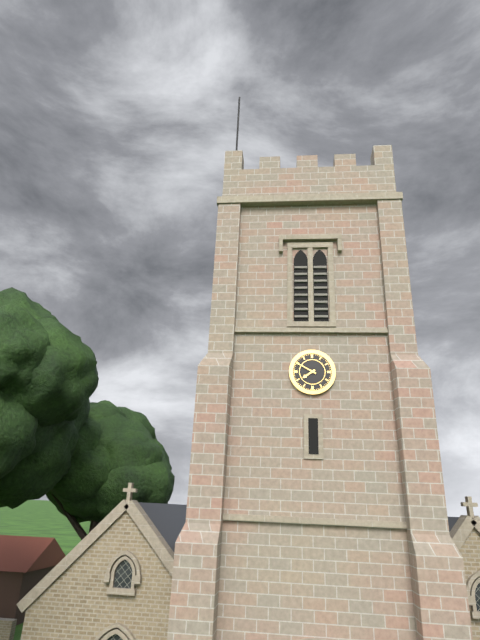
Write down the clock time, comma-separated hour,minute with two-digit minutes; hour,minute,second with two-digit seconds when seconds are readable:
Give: 7,50
